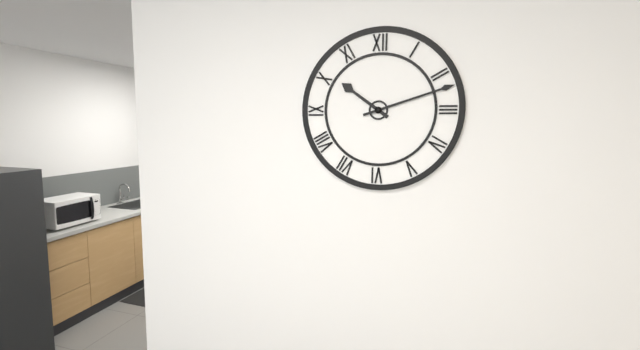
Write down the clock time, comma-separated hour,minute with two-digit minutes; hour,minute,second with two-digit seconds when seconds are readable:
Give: 10,12
